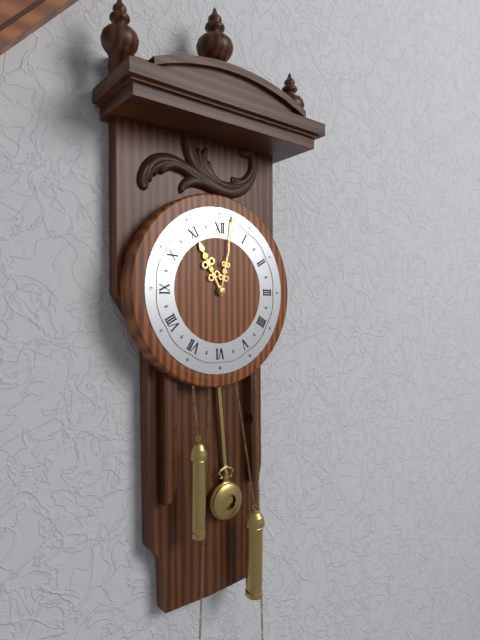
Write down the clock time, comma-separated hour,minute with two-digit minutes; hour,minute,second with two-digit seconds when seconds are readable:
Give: 11,02
